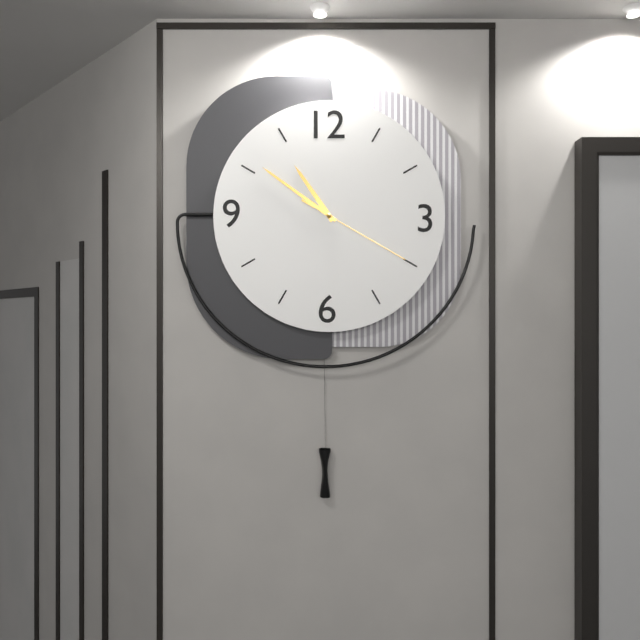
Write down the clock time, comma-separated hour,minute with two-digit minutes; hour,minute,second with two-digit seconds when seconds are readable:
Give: 10,51,20
